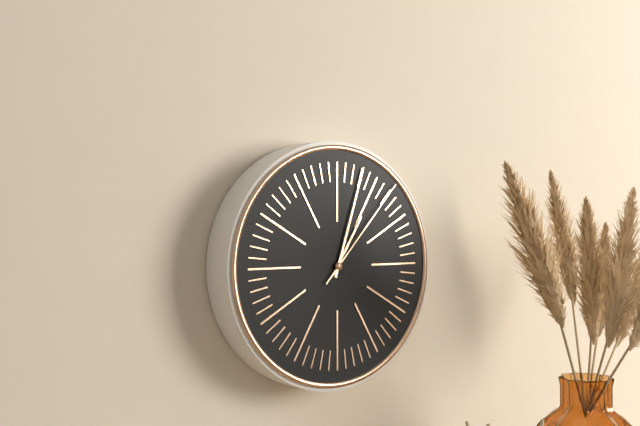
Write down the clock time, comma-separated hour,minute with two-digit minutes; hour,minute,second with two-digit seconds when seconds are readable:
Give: 1,03,07
